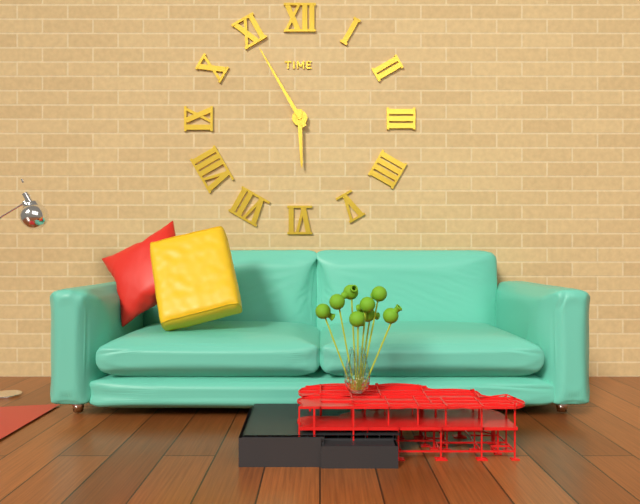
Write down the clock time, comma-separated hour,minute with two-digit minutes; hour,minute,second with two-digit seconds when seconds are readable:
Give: 5,55
